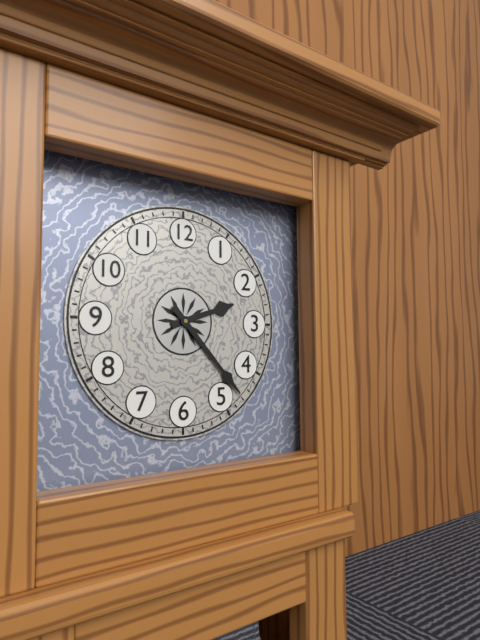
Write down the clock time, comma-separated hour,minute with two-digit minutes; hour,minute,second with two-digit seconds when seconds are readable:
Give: 2,23
